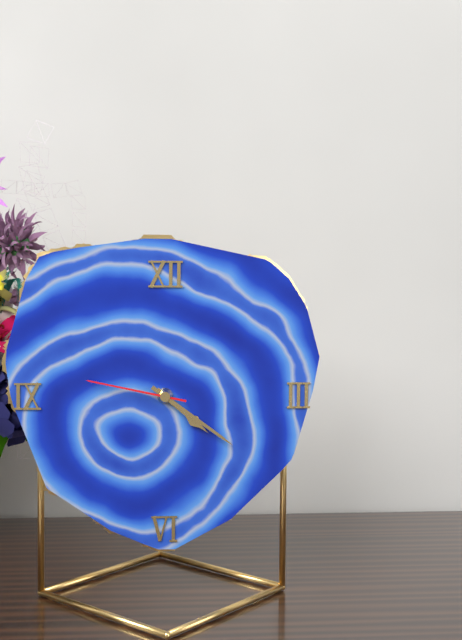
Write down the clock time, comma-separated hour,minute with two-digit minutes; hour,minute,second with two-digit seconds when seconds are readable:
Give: 4,21,47
